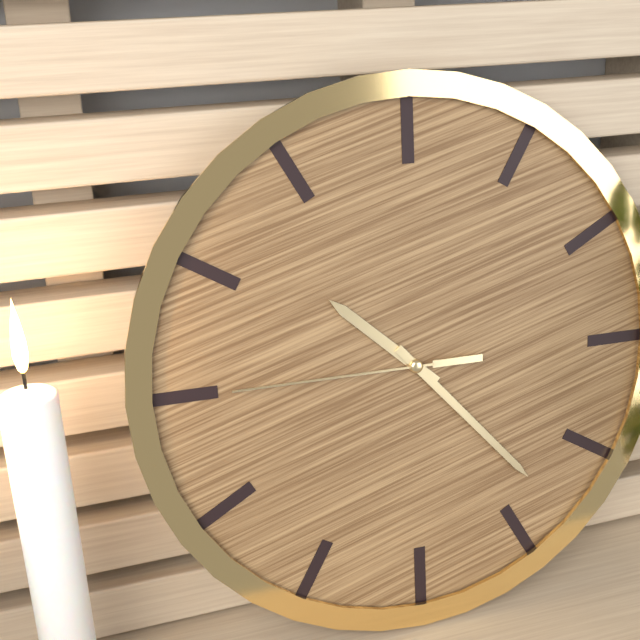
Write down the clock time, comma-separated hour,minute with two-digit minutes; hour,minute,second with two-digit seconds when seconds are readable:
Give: 10,23,45
